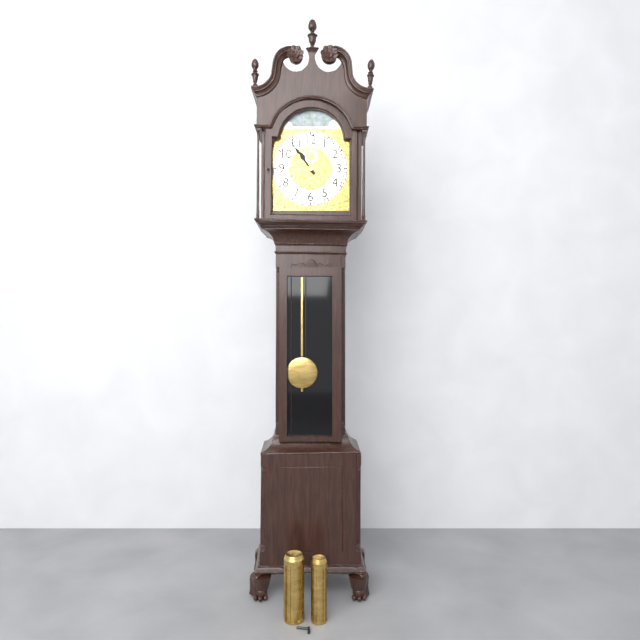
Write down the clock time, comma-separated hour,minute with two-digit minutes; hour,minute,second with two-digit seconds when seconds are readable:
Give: 10,54
